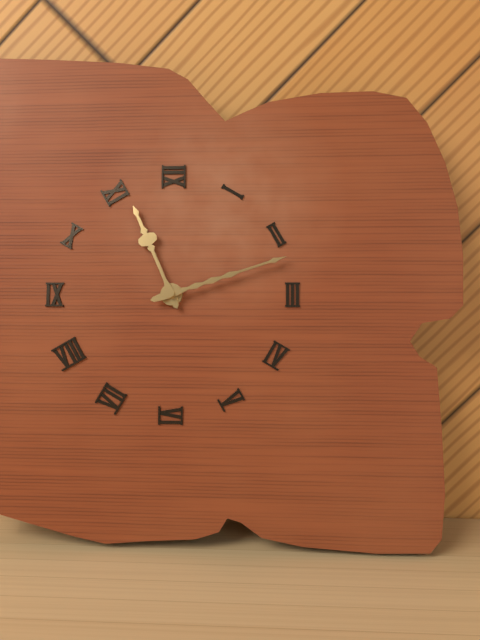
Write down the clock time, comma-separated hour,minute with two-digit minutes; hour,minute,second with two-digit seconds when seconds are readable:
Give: 11,12
